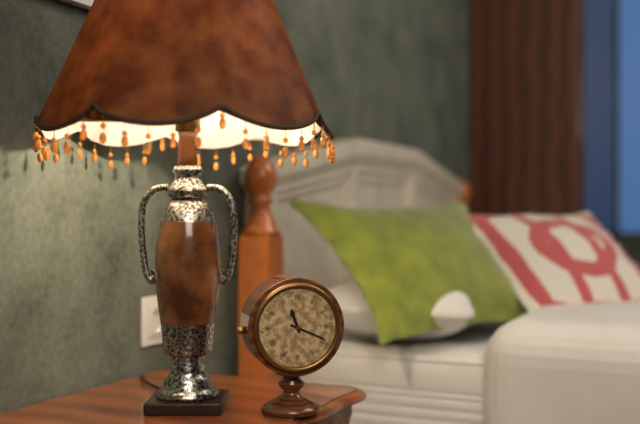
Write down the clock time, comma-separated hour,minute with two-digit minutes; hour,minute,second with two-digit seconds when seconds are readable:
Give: 11,19
